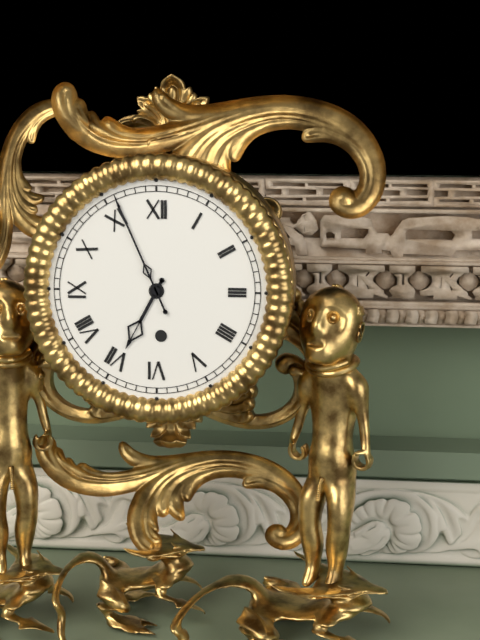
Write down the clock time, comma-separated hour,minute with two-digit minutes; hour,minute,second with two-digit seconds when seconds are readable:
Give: 6,56
